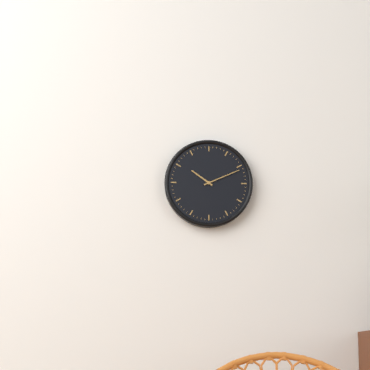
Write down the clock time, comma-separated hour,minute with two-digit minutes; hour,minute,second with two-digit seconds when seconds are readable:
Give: 10,11
